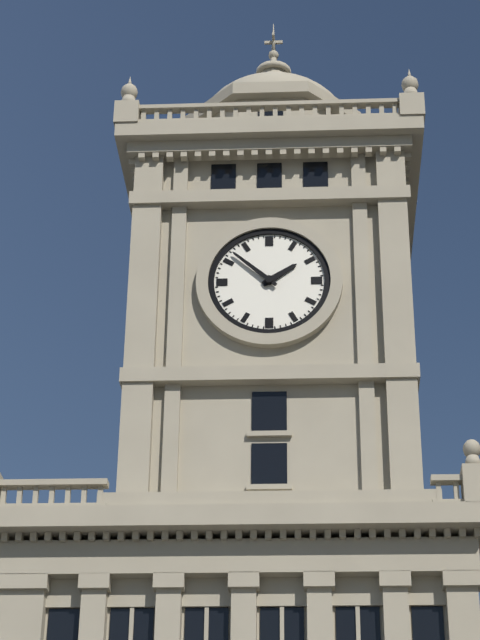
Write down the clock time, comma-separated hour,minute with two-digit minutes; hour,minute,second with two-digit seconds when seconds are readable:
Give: 1,52
